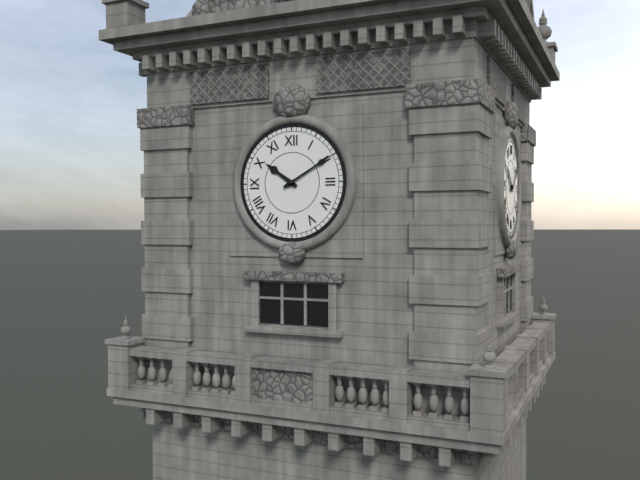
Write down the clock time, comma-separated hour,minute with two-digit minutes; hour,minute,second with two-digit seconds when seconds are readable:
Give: 10,10
